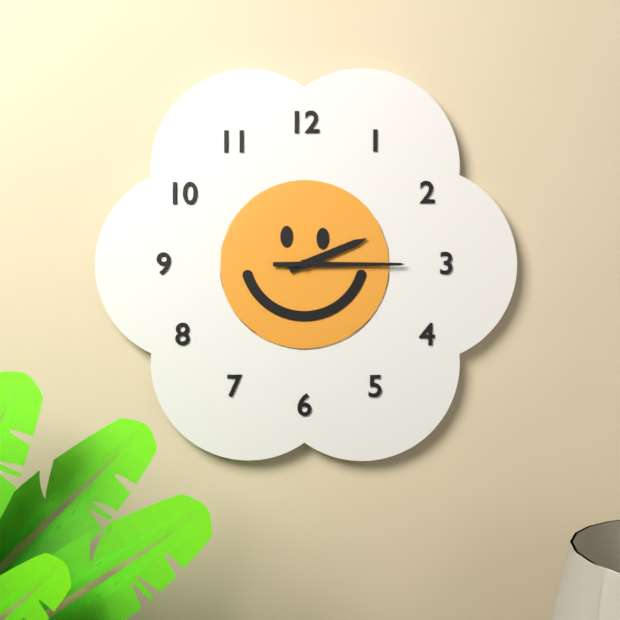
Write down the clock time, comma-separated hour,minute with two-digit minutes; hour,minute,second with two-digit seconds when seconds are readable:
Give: 2,15
